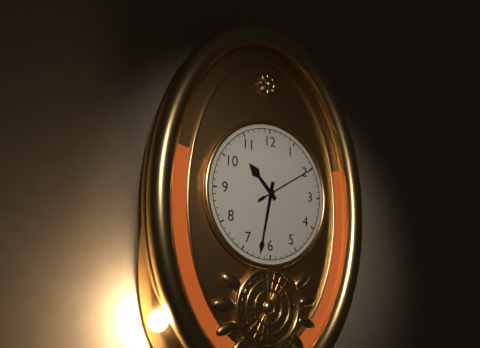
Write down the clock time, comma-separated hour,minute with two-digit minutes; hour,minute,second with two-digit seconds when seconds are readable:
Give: 10,32,10
